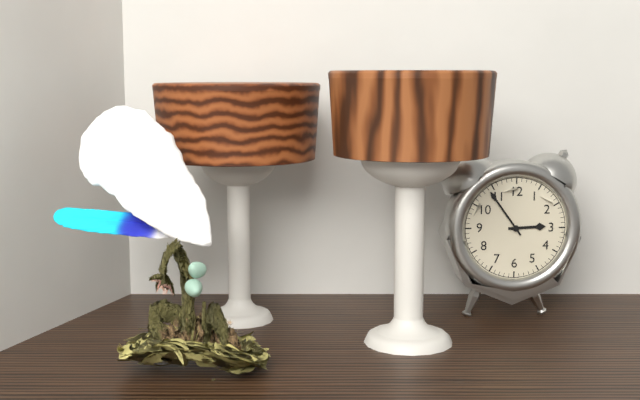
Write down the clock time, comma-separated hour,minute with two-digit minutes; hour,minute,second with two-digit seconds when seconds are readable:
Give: 2,54
